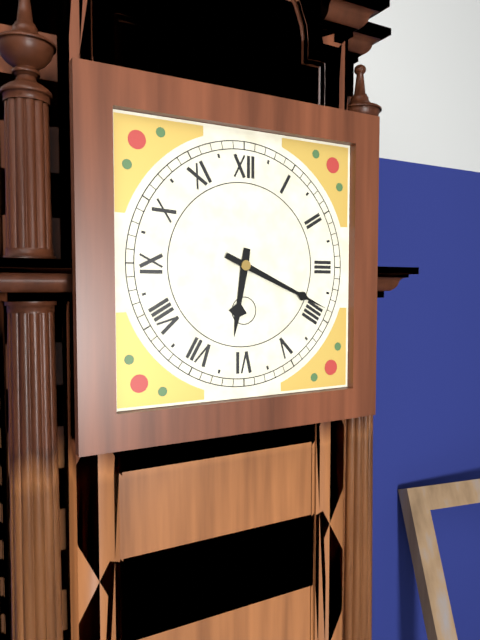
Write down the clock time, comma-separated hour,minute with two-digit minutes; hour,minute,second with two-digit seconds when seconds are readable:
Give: 6,19
